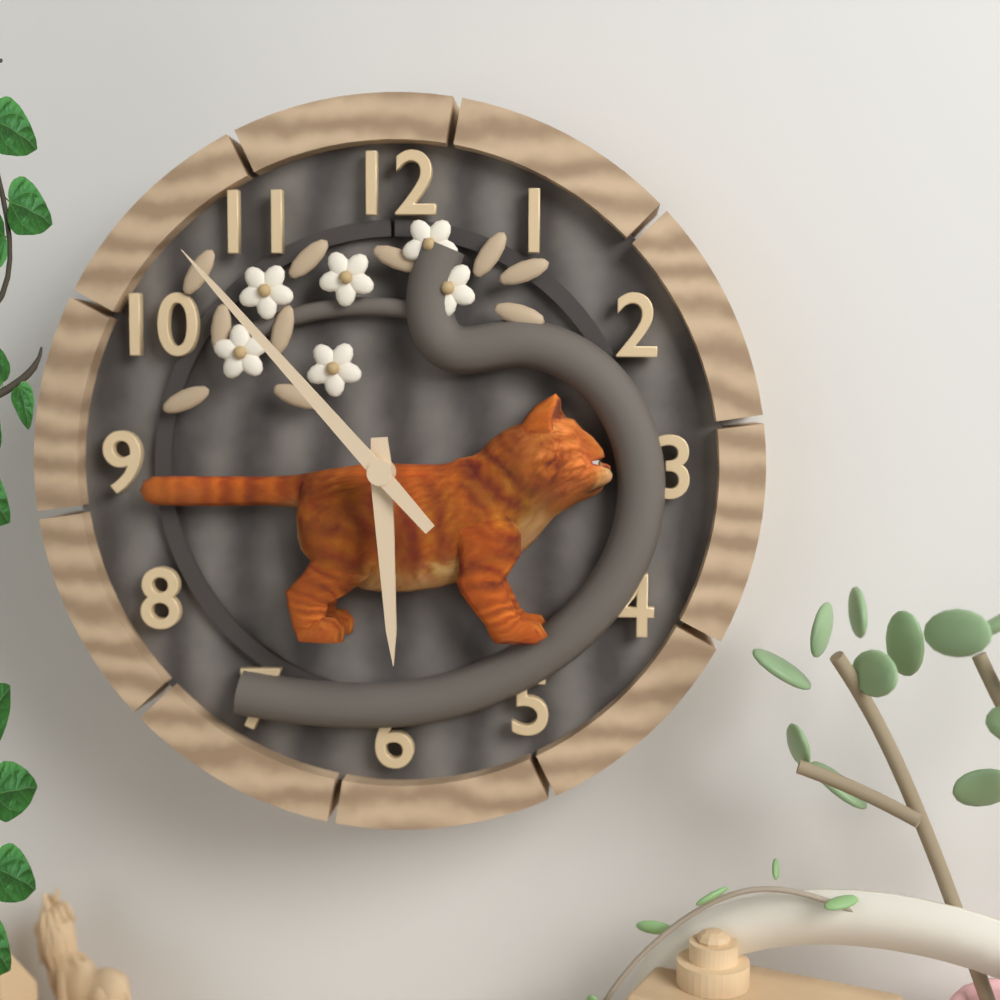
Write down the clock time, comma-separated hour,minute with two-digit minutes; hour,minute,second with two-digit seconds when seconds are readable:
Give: 5,53
